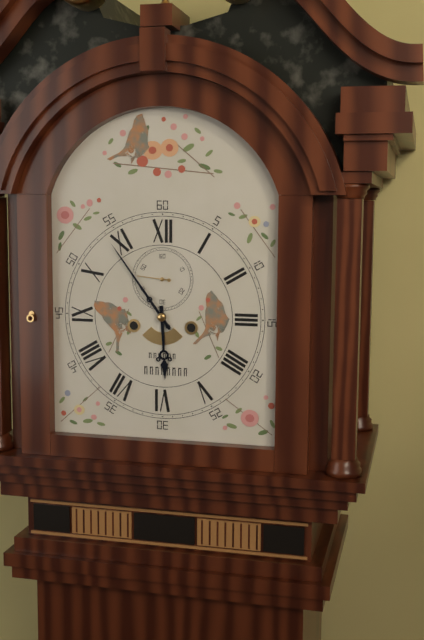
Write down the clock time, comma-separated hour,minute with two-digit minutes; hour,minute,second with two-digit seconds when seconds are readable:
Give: 5,54
